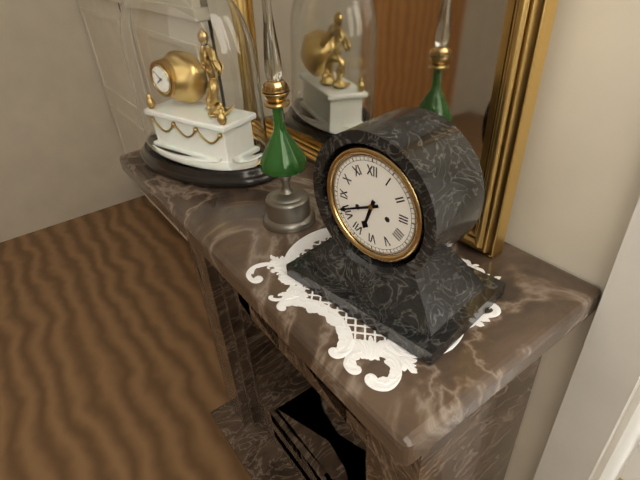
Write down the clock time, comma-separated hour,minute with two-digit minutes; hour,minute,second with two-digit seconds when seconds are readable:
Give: 6,41
